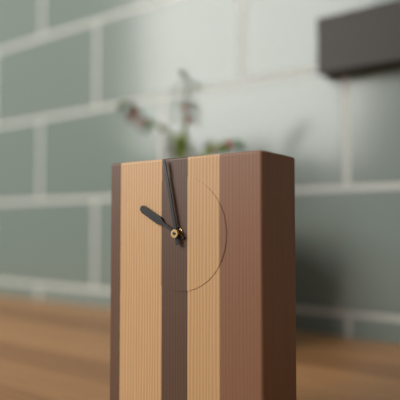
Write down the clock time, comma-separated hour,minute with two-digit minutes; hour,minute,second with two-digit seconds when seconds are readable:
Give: 9,58
